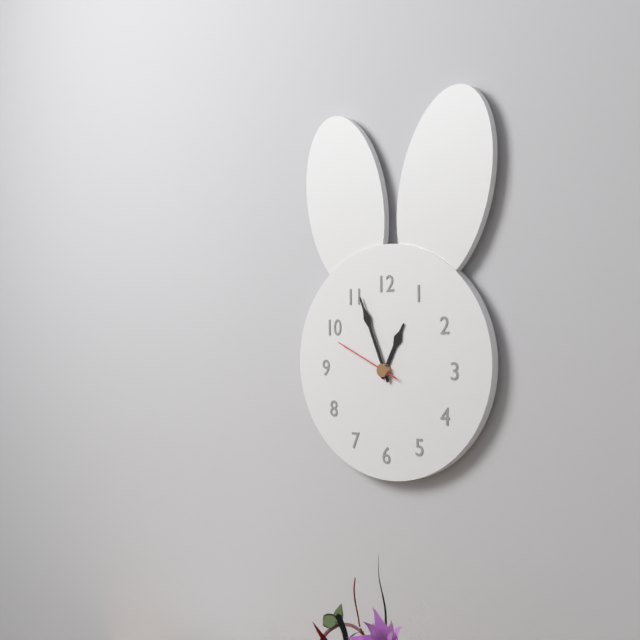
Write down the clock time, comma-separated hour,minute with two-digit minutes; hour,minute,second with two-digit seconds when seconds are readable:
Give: 12,56,49
